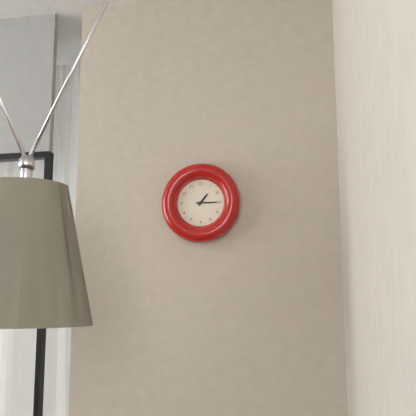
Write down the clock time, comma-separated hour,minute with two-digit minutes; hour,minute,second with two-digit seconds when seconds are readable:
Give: 1,15
